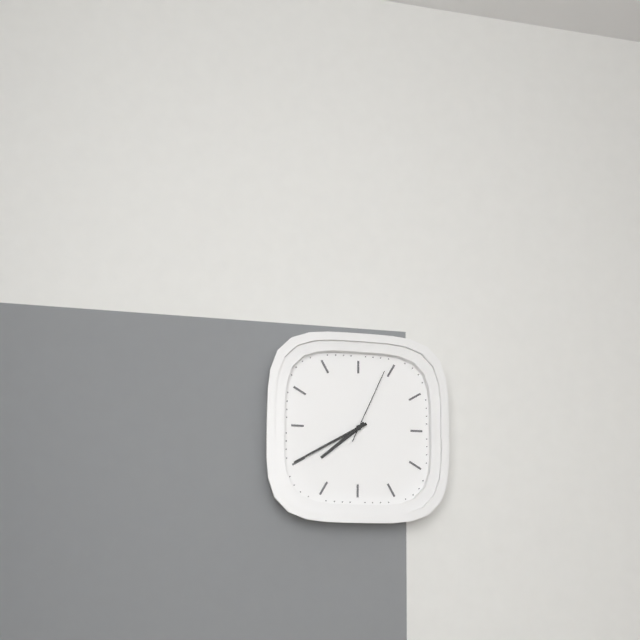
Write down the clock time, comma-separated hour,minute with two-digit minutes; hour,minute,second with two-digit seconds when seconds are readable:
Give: 7,40,04
